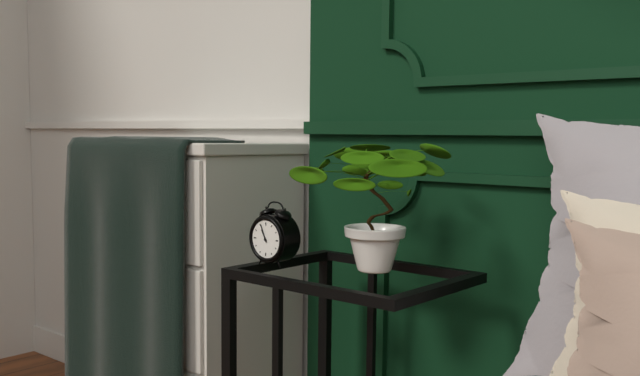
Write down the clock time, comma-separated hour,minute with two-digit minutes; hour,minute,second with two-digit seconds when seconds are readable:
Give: 10,56
